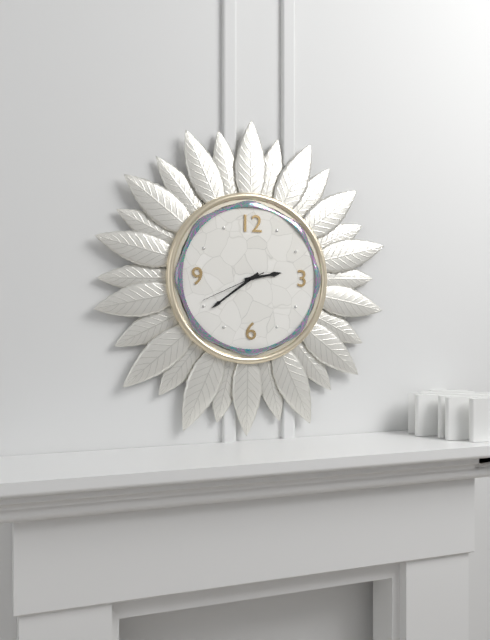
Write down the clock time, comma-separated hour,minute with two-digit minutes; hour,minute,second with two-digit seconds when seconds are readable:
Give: 2,39,41
